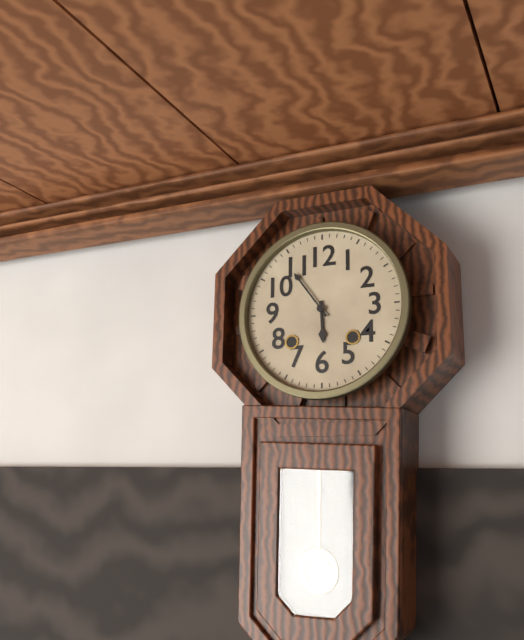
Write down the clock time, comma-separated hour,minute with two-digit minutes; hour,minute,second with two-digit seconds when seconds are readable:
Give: 5,54
